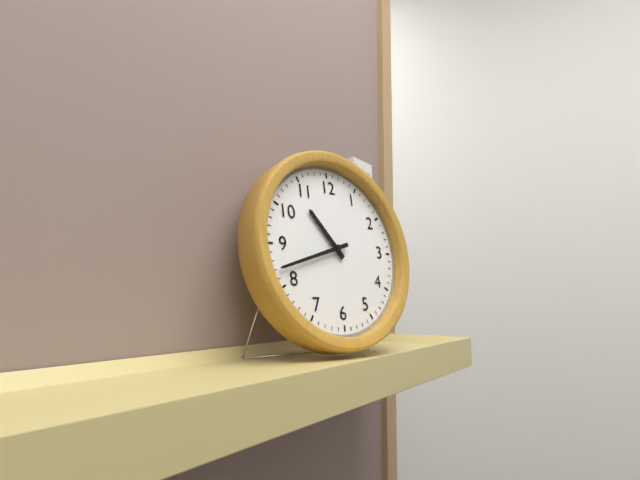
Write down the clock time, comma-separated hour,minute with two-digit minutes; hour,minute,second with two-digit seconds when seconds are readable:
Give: 10,42
